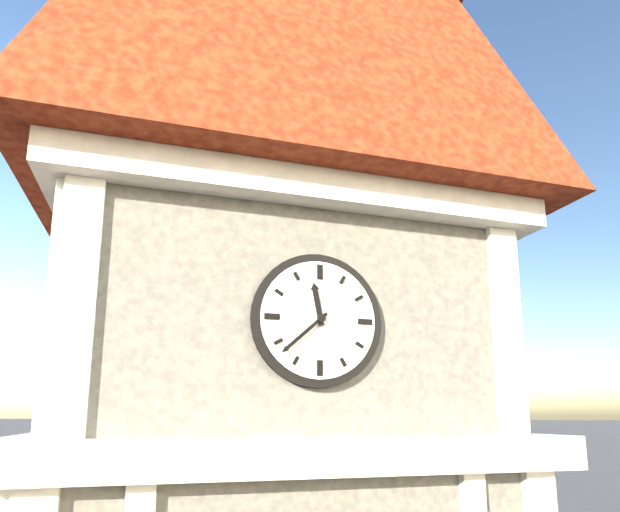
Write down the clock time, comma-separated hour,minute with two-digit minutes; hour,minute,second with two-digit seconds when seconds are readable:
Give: 11,38
